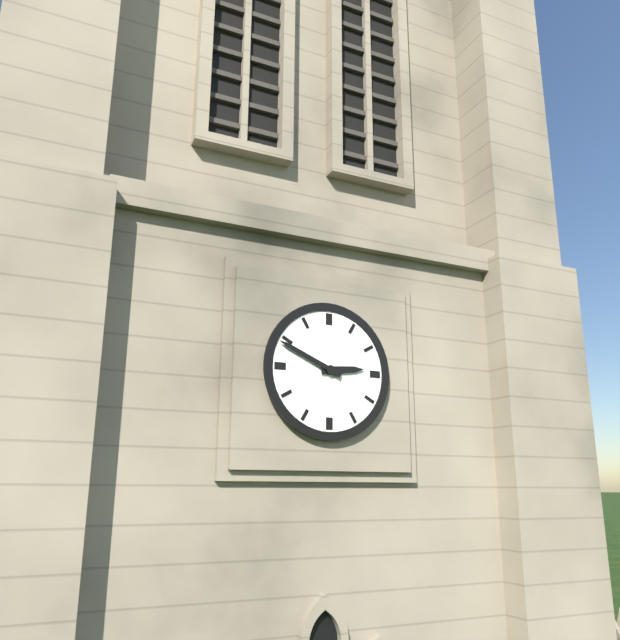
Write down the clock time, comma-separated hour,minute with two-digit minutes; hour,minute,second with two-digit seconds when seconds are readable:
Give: 2,49
